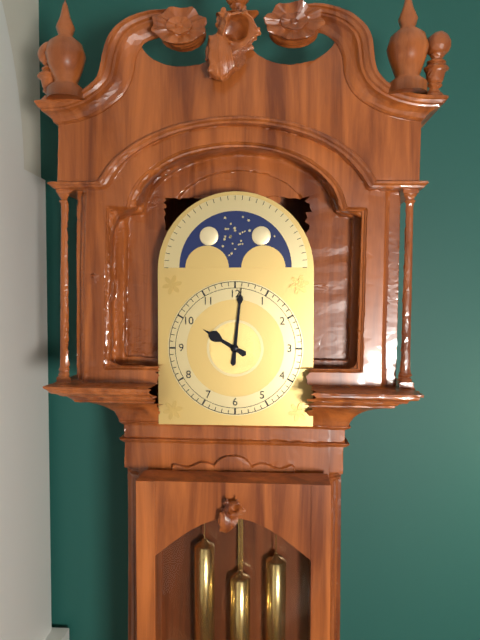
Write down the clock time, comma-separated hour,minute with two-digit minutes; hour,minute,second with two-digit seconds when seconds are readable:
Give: 10,01
